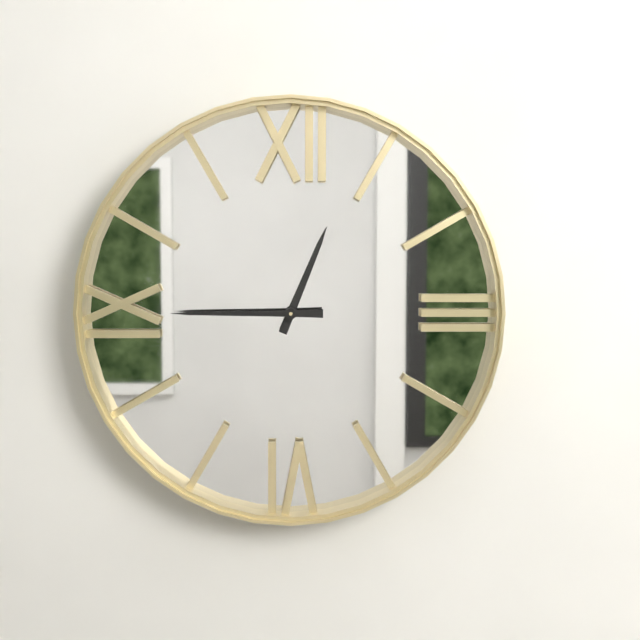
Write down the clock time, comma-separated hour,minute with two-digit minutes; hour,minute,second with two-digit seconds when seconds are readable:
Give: 12,45
